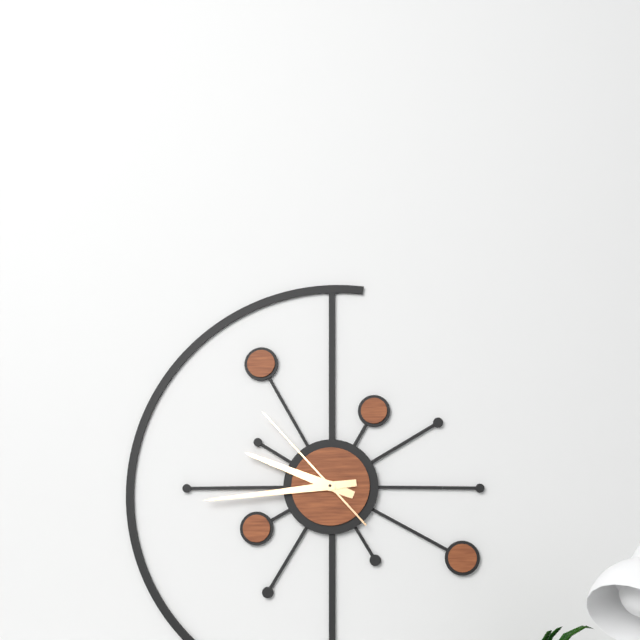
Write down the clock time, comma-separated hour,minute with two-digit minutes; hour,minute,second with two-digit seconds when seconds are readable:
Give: 9,44,53
